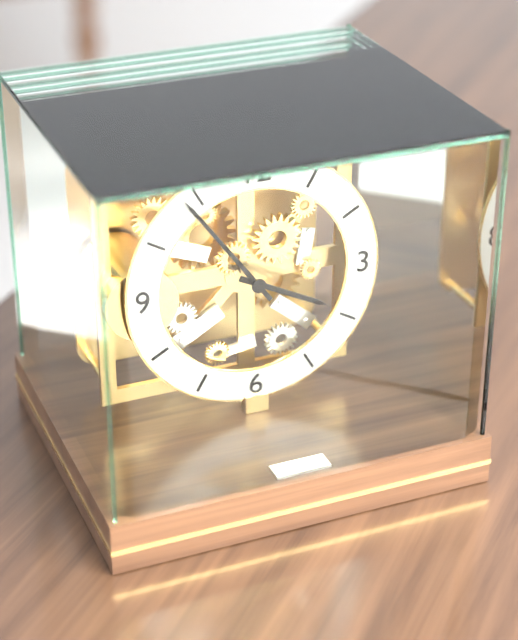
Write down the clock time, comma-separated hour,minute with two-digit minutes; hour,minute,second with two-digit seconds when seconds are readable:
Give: 3,54
